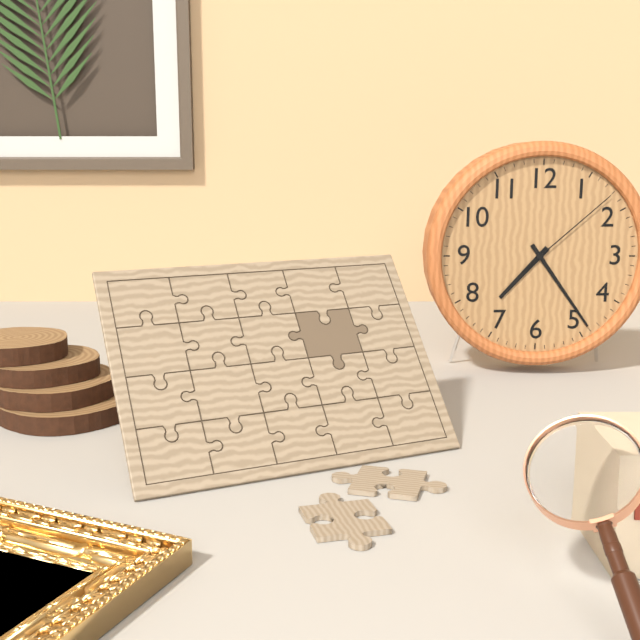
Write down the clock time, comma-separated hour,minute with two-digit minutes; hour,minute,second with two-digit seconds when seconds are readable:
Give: 7,24,08
